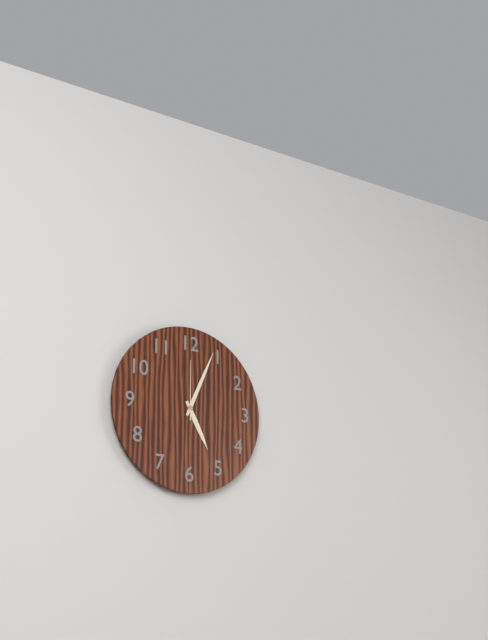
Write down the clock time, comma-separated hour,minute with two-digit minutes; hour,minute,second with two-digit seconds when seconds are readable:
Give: 5,04,00
